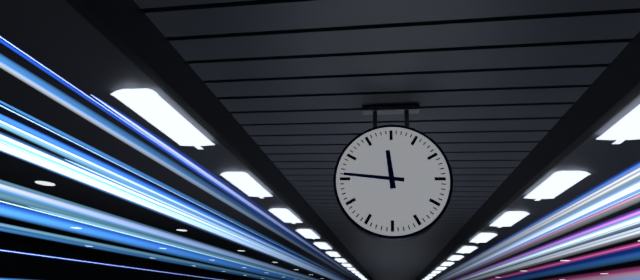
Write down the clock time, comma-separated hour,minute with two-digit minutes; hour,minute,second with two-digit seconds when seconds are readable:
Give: 11,46
